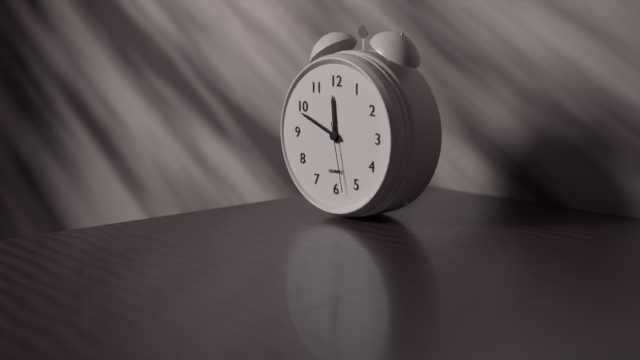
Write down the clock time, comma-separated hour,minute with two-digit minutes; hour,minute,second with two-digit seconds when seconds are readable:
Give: 11,49,28
